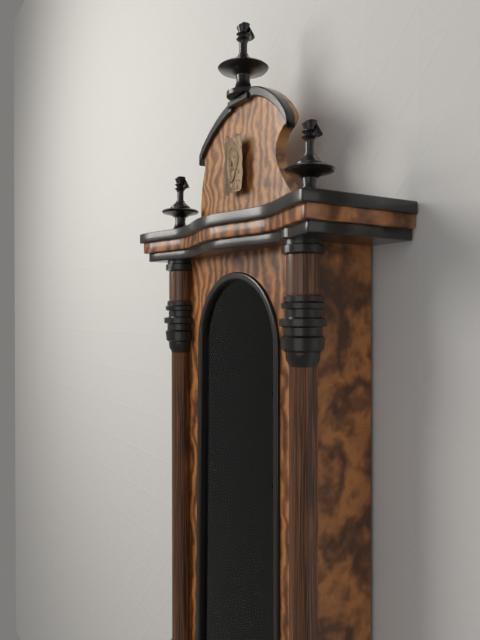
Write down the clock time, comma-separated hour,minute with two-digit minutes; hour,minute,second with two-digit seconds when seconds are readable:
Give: 9,52
